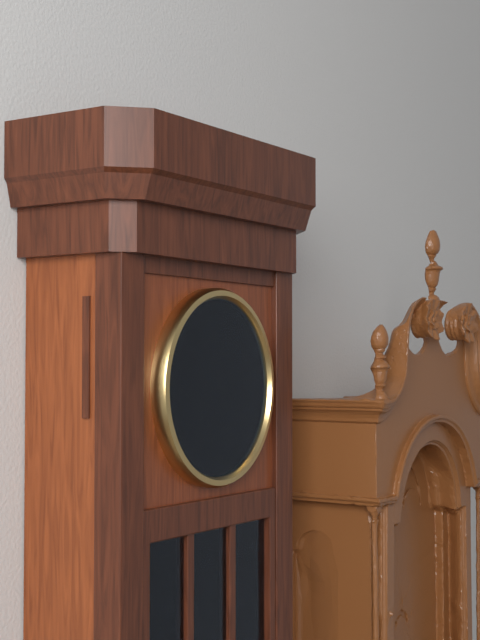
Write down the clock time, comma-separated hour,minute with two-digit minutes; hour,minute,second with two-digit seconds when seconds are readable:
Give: 7,05
